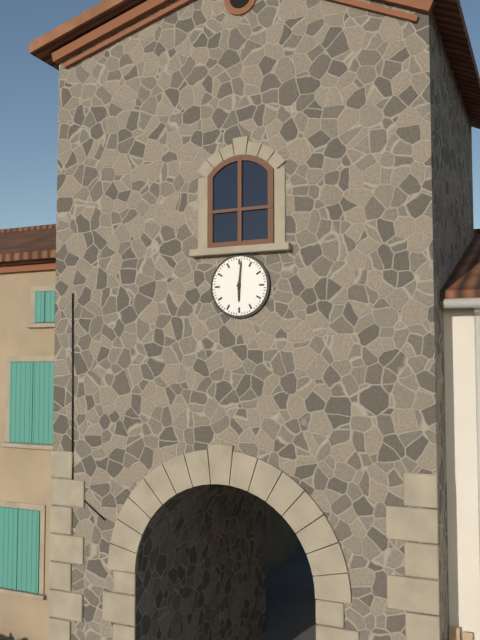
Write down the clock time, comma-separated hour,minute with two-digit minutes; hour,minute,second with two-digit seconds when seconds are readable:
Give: 6,01
